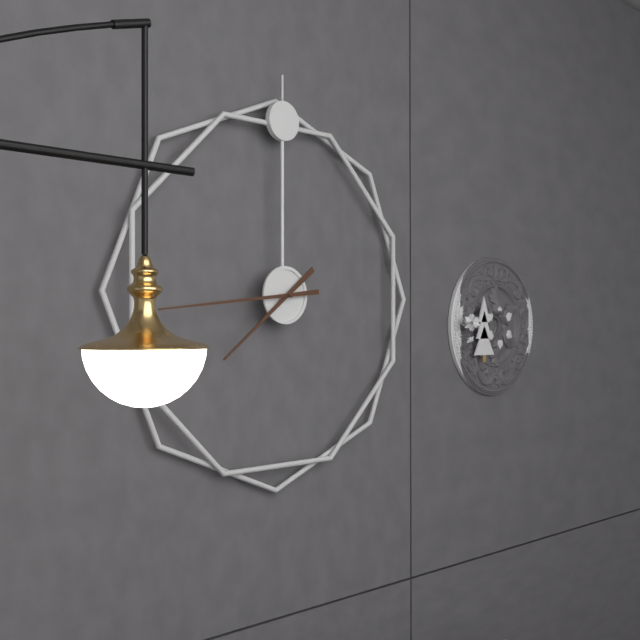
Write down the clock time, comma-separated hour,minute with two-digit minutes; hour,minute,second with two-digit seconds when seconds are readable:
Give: 7,44
